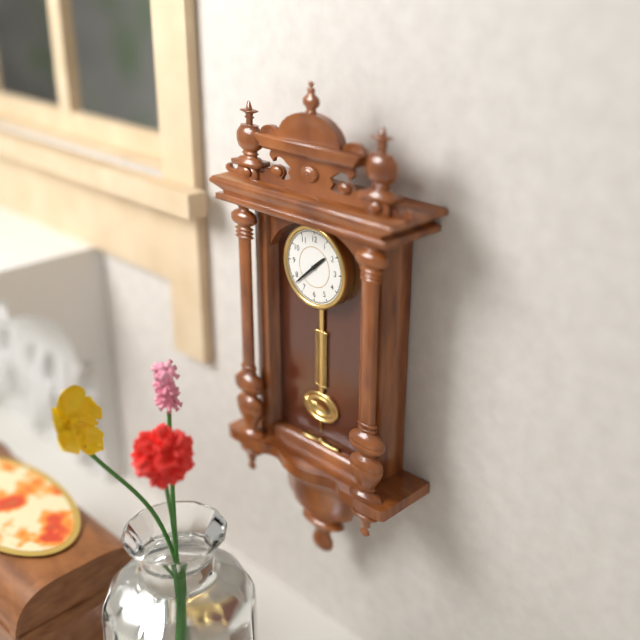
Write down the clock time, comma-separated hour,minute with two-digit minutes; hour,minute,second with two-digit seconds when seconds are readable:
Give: 1,38
